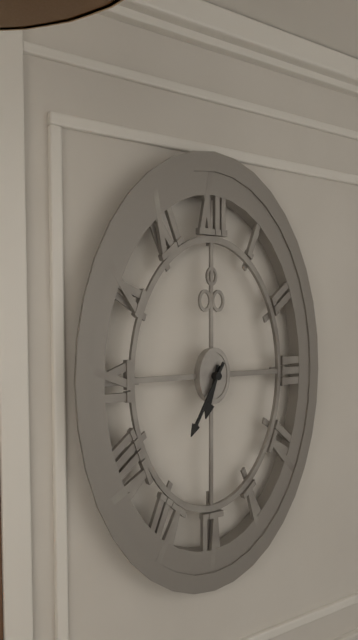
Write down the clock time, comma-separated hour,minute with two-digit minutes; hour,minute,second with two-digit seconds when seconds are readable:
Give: 6,35
